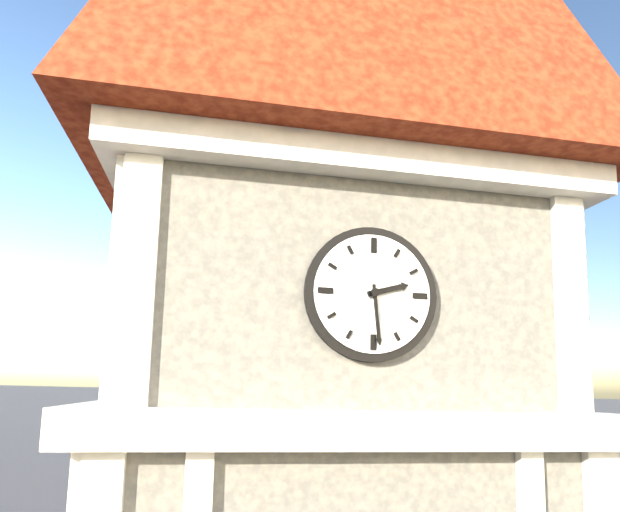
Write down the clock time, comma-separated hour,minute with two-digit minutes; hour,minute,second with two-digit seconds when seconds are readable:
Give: 2,29
